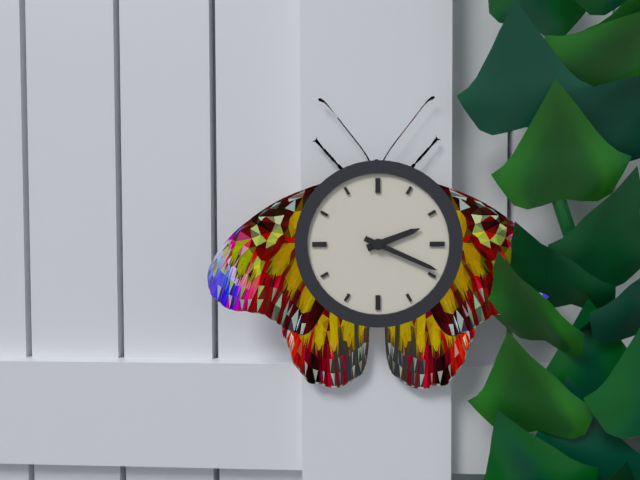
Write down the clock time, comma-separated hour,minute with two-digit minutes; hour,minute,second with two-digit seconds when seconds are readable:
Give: 2,19
